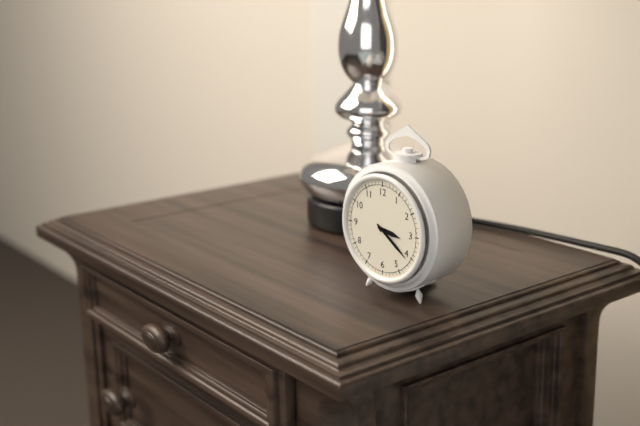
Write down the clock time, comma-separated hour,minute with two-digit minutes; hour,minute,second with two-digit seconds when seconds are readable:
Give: 3,21
